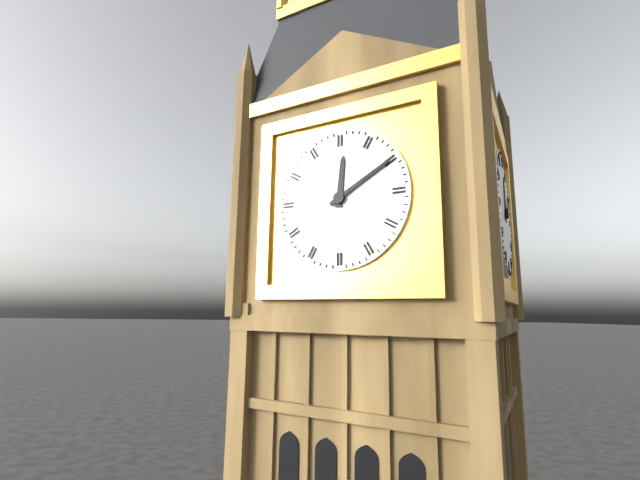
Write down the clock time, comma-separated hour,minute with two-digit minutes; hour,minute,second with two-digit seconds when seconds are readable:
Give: 12,10
